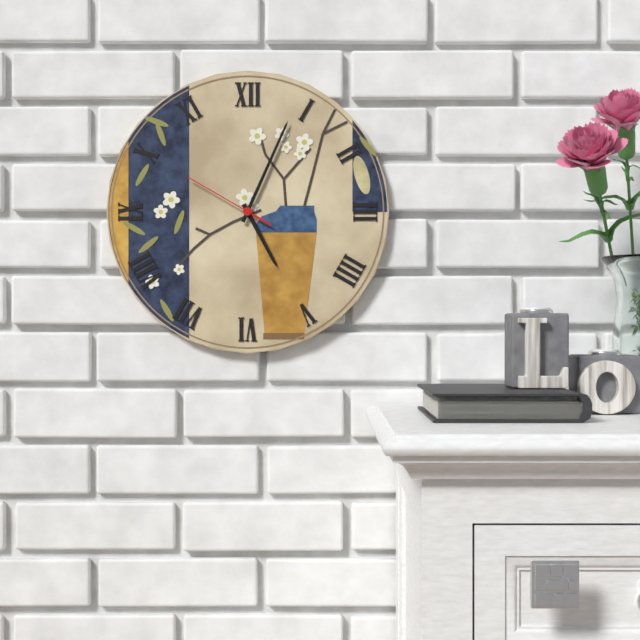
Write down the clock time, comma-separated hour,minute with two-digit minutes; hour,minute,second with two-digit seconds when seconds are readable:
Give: 5,04,50
